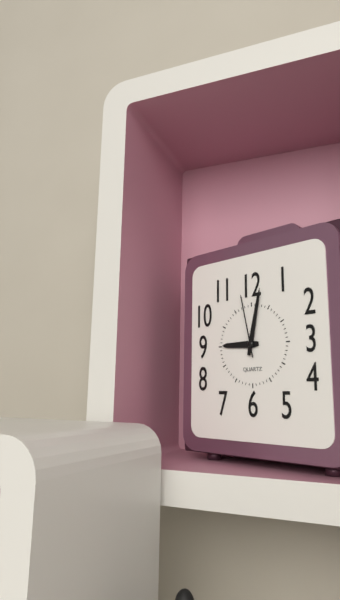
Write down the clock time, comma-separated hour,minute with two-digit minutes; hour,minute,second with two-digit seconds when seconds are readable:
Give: 9,02,58
